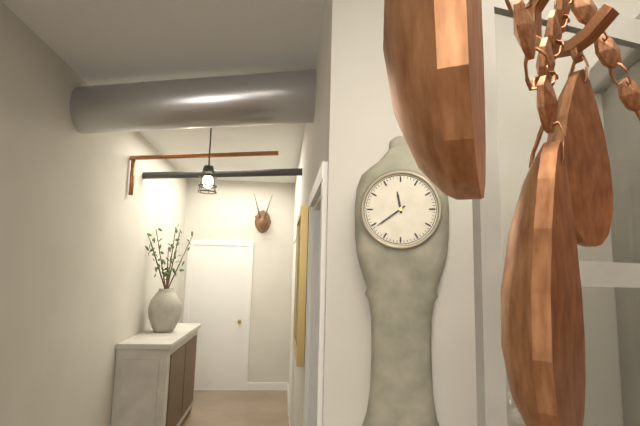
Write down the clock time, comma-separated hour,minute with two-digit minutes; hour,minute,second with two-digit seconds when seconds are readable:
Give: 11,39
